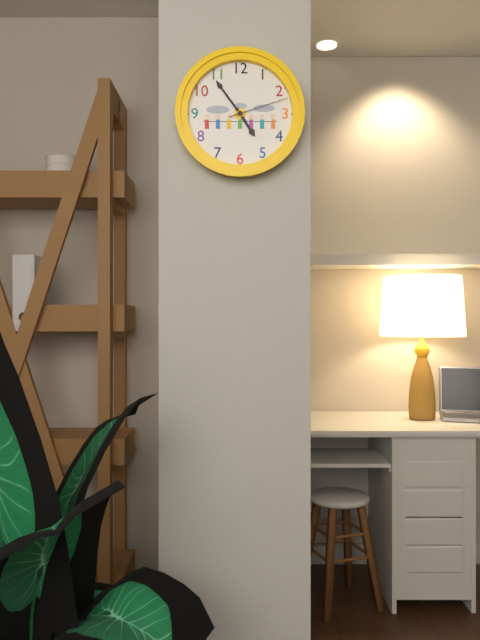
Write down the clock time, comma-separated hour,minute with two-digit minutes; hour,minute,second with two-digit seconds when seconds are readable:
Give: 4,54,12
